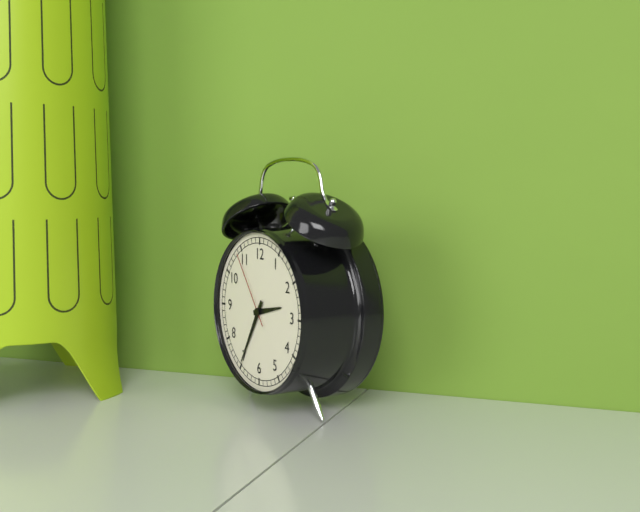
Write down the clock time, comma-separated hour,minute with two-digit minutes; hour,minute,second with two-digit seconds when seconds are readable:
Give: 2,35,54
